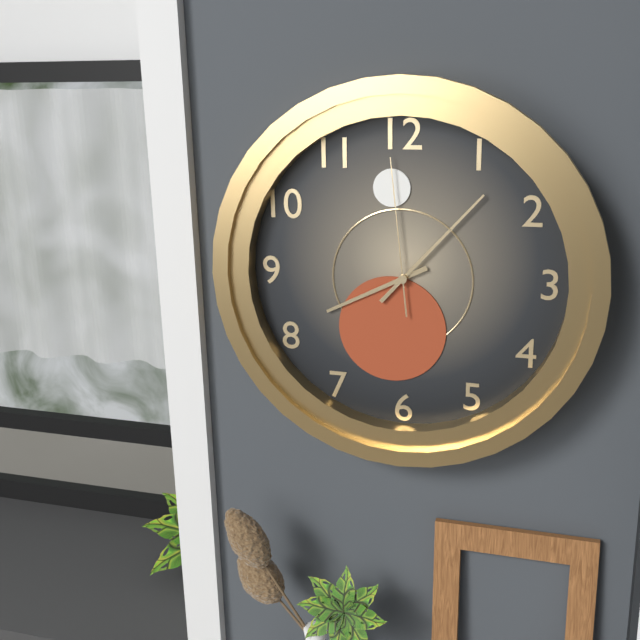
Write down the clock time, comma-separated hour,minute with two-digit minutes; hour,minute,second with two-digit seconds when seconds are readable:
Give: 8,07,59
